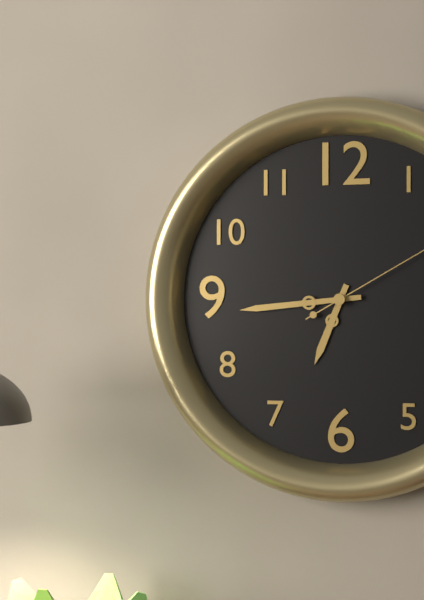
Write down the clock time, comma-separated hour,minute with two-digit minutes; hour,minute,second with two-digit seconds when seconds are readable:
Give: 6,44
